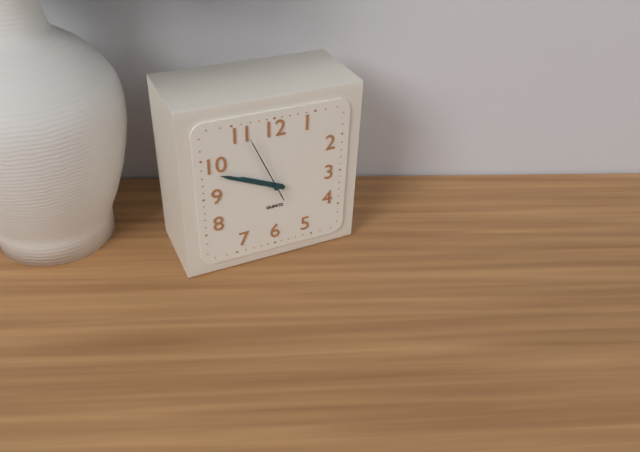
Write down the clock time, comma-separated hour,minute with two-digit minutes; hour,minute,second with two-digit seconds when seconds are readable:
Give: 9,49,56
